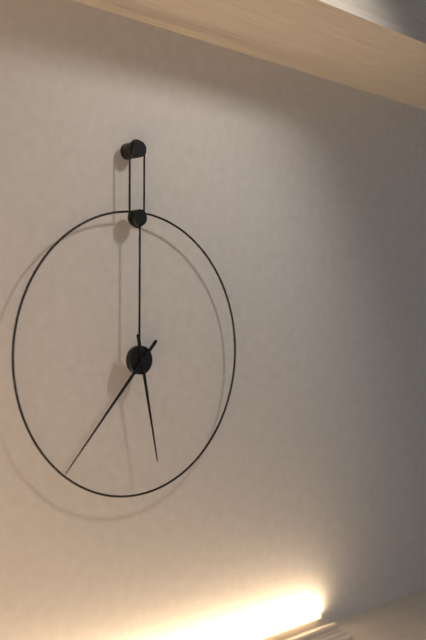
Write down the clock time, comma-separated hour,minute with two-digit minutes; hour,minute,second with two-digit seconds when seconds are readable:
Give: 5,37
